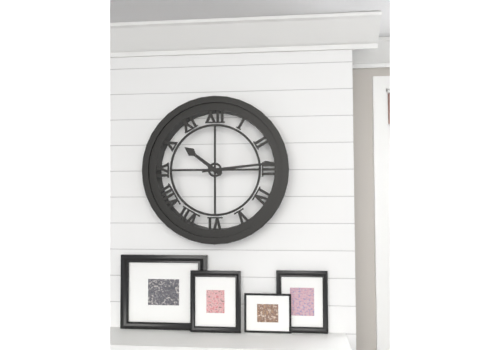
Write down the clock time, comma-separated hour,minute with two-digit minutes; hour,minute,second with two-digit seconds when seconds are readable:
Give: 10,14
